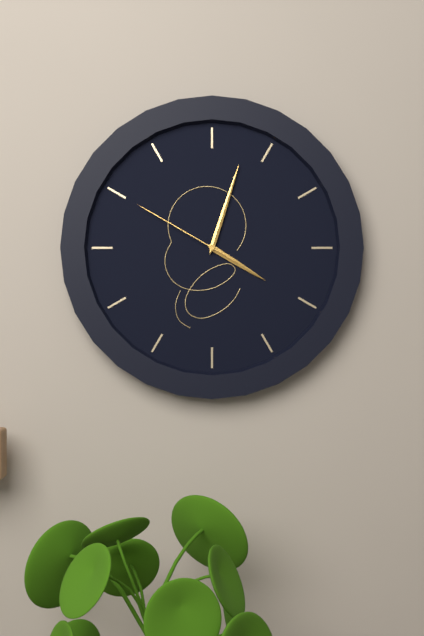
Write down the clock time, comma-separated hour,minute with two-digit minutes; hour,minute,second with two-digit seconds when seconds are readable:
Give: 4,03,50
